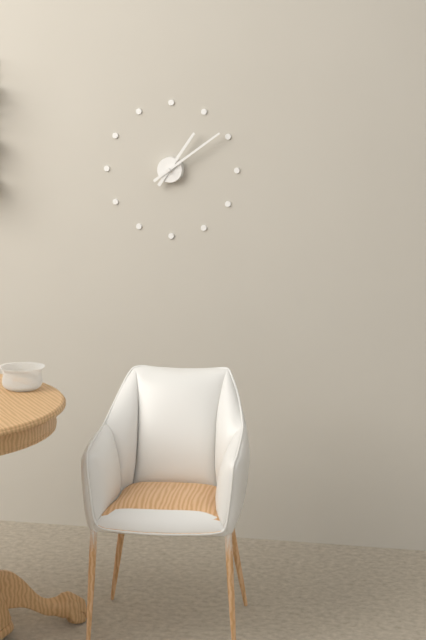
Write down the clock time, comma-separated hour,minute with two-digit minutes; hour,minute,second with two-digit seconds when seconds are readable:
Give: 1,09
